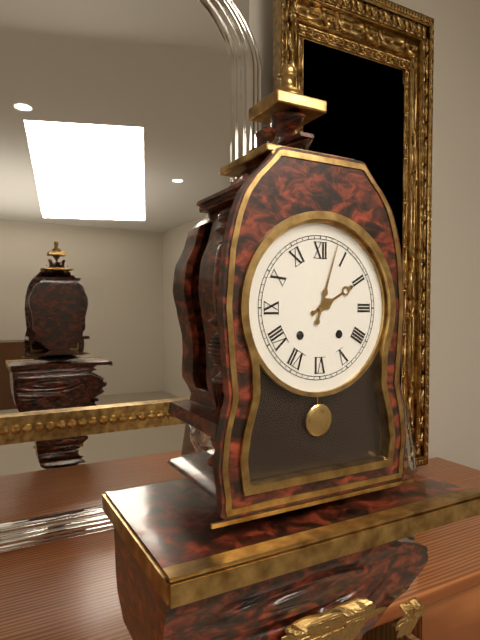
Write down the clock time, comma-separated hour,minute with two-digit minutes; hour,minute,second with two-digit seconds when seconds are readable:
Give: 2,03
